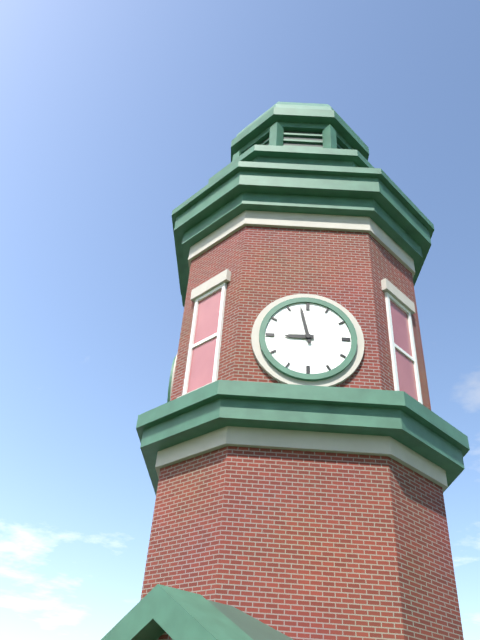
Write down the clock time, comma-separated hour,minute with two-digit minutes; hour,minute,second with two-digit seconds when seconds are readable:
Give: 8,58
